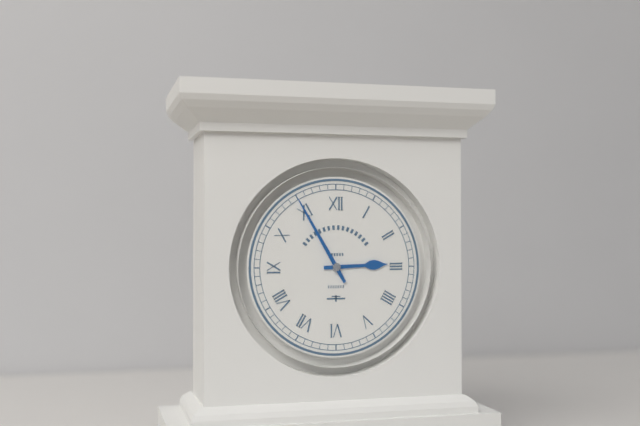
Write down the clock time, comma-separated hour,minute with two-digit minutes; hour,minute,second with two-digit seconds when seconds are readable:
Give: 2,55
